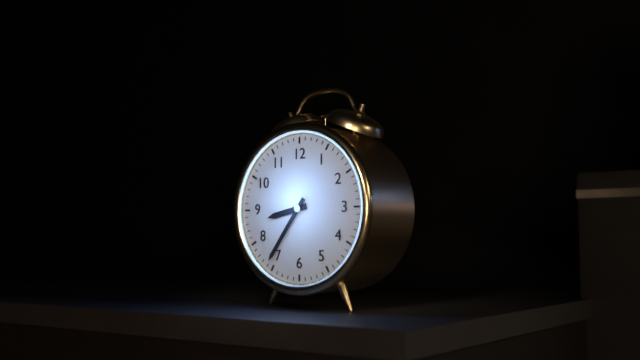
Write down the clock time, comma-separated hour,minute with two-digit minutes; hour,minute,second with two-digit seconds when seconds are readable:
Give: 8,36
